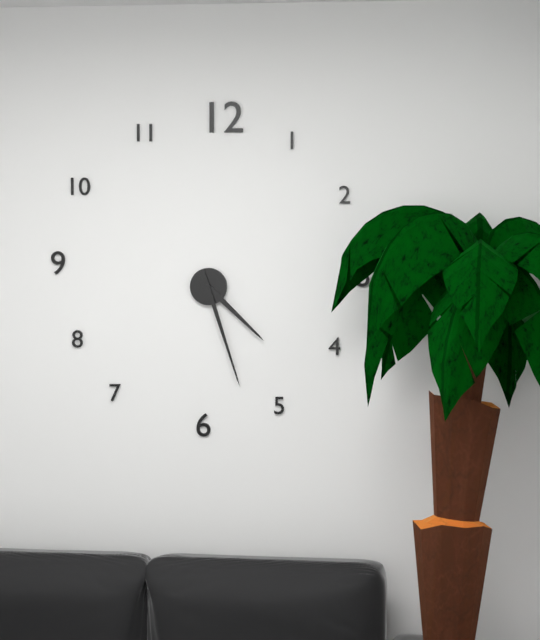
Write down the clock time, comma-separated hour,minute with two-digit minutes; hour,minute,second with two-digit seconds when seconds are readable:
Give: 4,27
